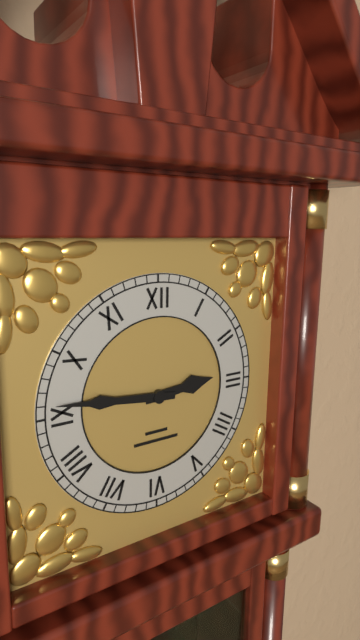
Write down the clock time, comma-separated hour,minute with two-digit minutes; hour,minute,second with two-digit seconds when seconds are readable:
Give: 2,46
